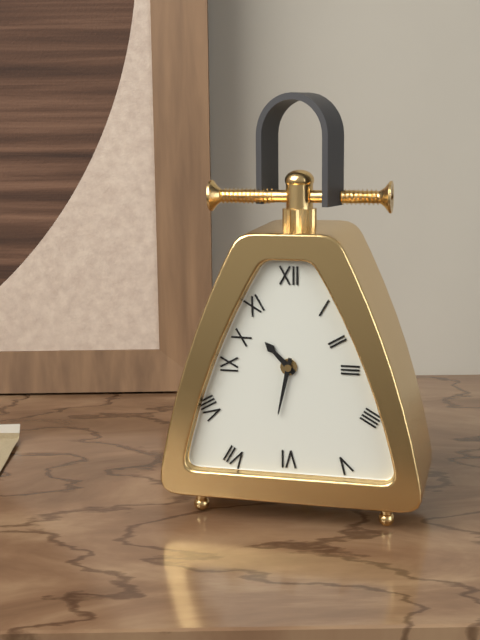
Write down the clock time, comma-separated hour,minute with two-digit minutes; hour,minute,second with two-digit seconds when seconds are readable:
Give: 10,32
